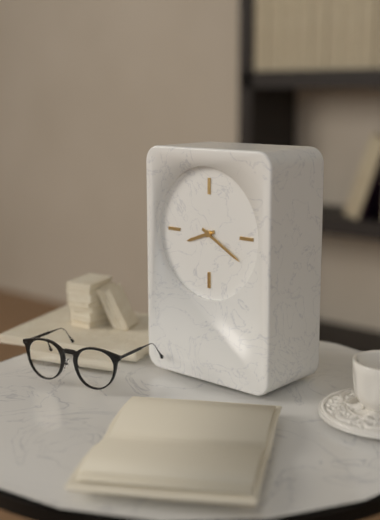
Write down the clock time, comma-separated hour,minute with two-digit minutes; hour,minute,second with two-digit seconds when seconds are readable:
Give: 8,20
